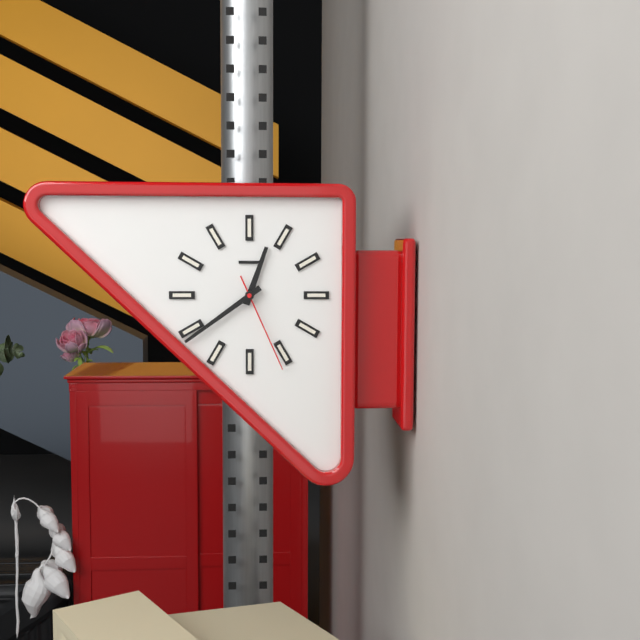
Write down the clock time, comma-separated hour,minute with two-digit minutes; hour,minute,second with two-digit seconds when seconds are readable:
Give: 12,39,26
